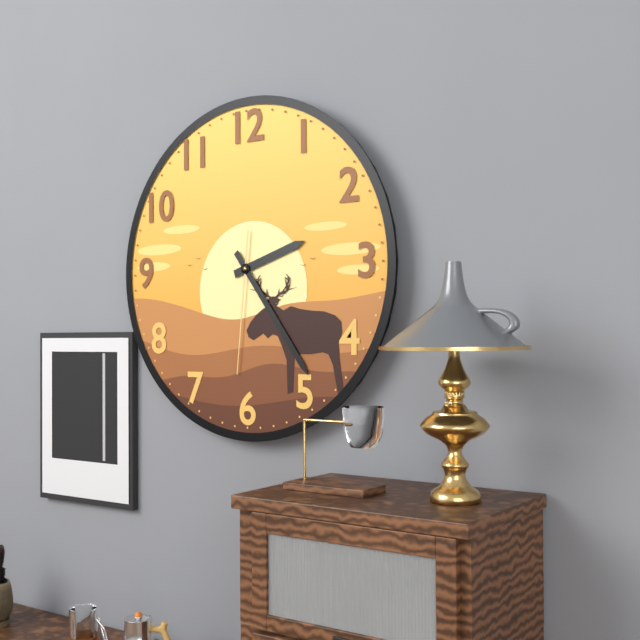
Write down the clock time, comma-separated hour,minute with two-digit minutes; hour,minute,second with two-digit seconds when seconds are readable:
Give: 2,24,31
